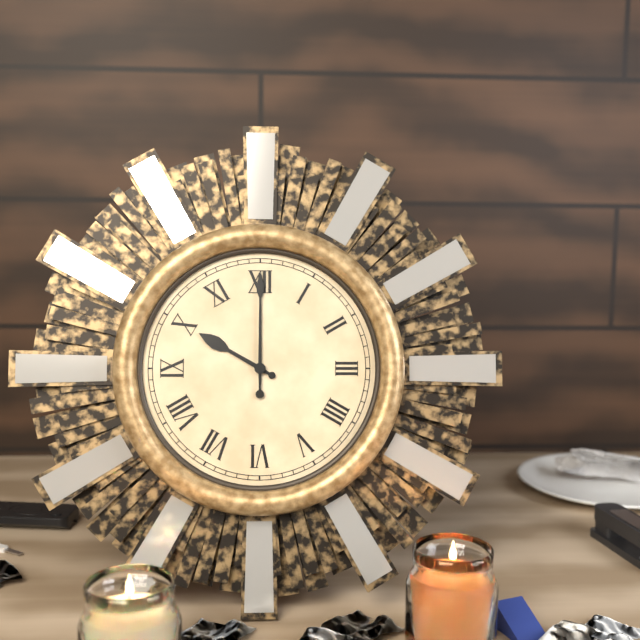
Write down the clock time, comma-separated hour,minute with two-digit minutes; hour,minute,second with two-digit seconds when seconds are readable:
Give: 10,00
